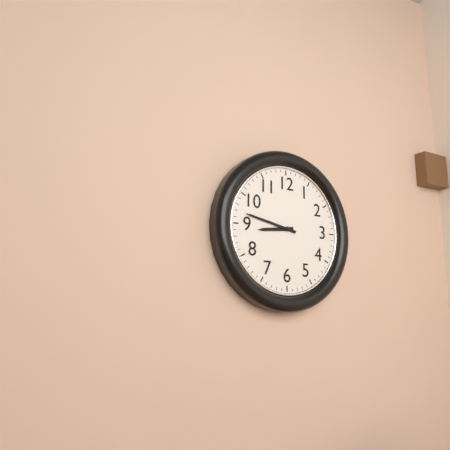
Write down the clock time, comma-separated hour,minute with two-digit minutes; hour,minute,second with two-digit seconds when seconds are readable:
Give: 8,47
